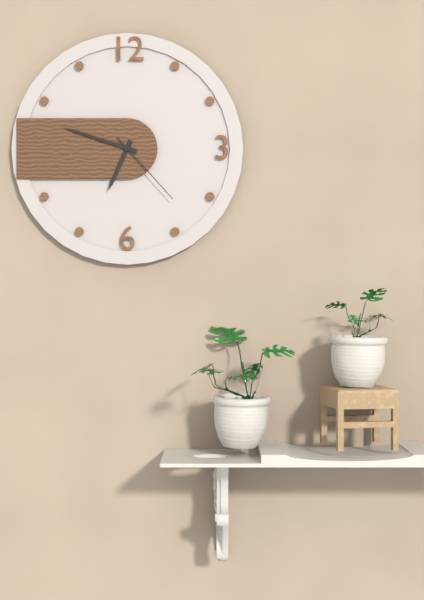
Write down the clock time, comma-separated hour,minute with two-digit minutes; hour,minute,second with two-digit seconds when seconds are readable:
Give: 6,48,23
